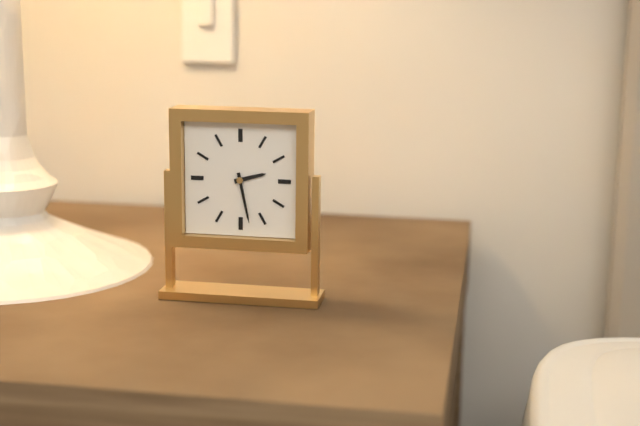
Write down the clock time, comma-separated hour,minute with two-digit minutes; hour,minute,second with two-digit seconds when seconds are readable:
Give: 2,28
